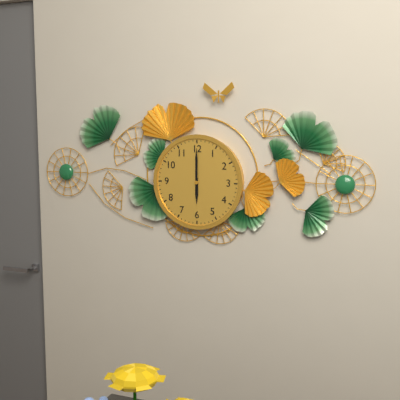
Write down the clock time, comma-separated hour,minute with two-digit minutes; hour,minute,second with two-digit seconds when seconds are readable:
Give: 6,00
